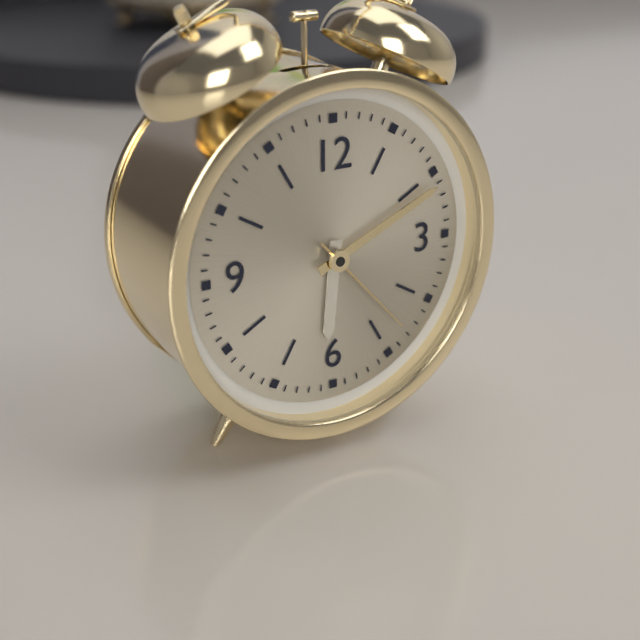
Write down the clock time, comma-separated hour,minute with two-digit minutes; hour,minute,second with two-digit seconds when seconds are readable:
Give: 6,11,23
